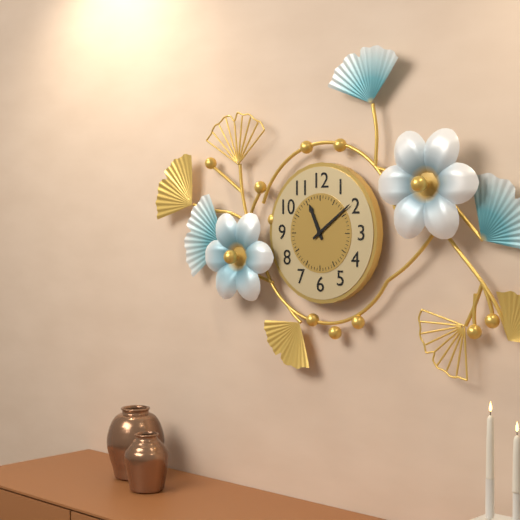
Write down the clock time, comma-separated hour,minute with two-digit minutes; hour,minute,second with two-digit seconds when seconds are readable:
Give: 11,09
